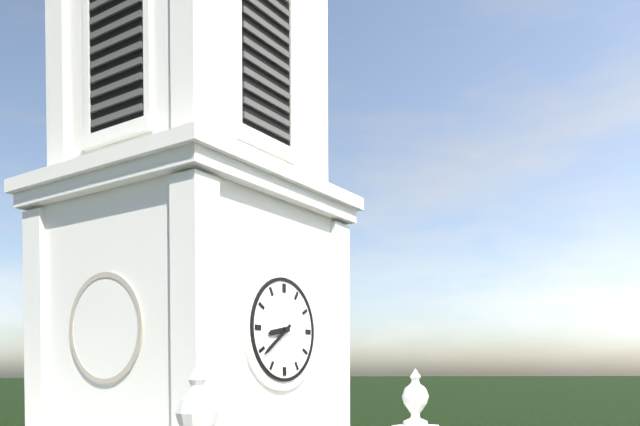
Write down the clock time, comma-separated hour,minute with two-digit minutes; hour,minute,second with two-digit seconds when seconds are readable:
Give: 8,39
